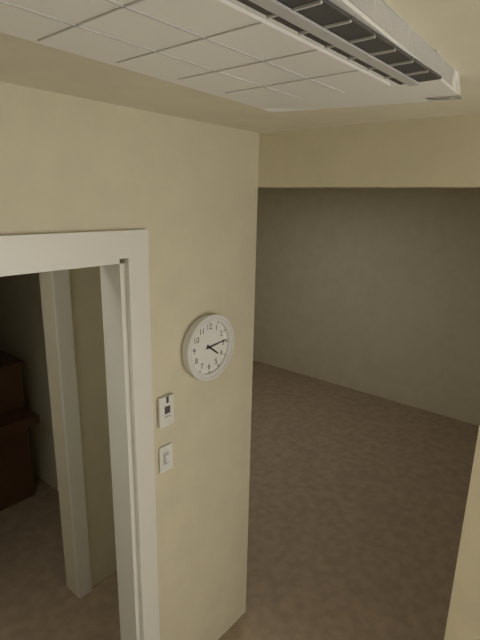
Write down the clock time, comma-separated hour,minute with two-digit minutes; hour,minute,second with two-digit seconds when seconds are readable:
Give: 4,14
